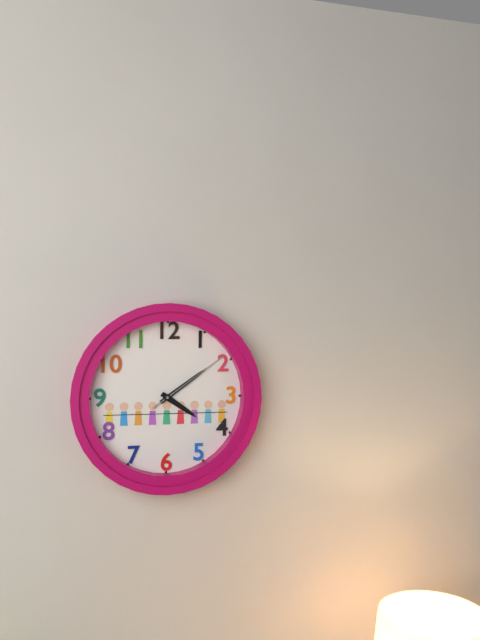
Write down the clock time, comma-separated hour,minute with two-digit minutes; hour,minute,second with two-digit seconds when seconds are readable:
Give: 4,09,09
